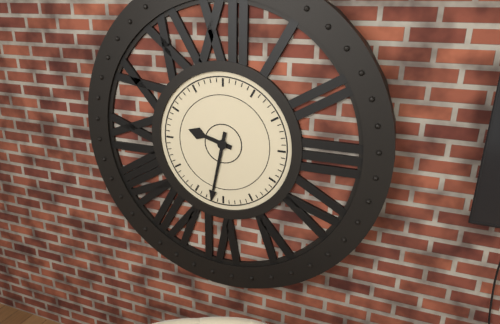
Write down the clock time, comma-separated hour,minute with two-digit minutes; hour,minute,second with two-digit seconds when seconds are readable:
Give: 9,32
